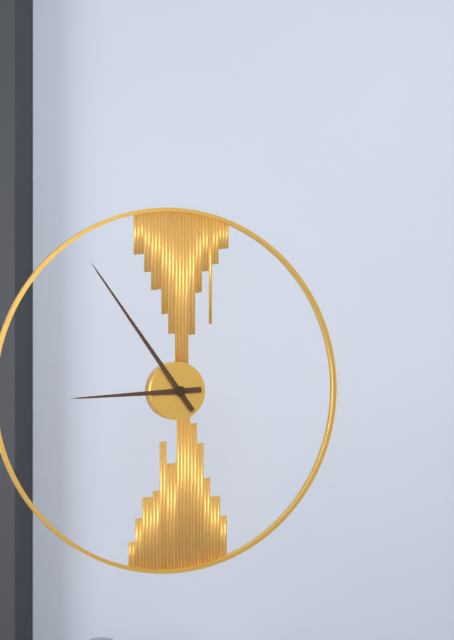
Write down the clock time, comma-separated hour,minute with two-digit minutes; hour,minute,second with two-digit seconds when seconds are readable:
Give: 8,54
